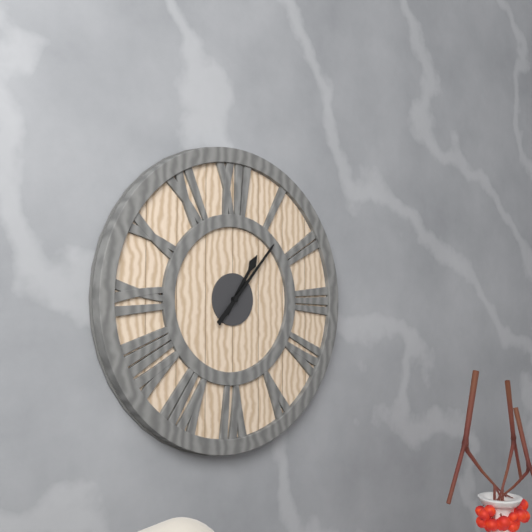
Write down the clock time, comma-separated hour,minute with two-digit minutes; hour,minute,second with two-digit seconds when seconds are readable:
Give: 1,07
